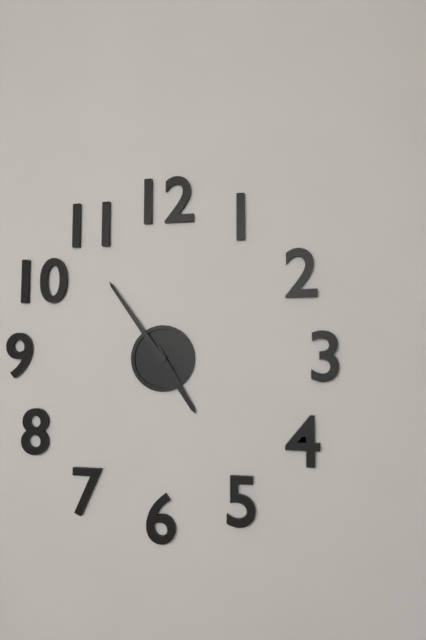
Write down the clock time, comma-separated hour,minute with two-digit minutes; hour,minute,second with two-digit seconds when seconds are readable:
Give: 4,54
